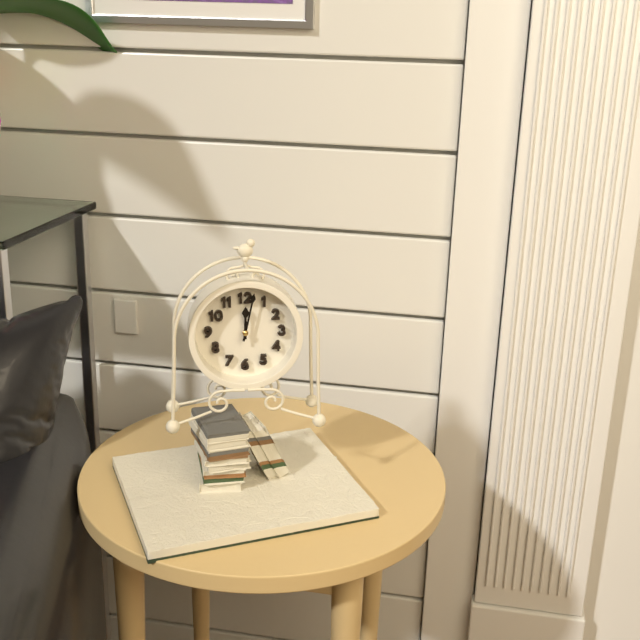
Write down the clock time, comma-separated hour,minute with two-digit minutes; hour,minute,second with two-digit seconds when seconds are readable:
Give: 12,02
